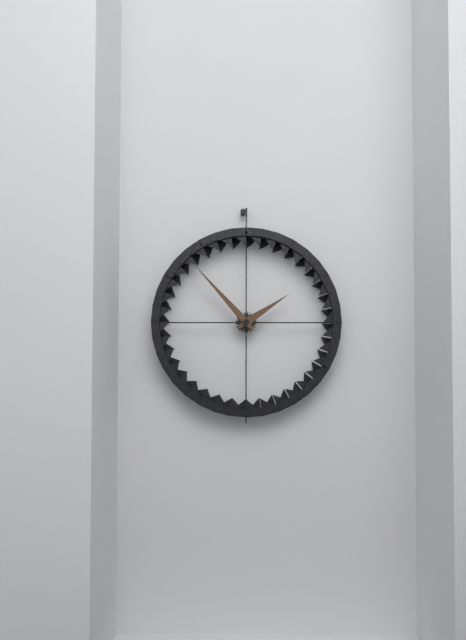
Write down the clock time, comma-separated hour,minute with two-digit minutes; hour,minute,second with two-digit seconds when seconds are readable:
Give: 1,53
